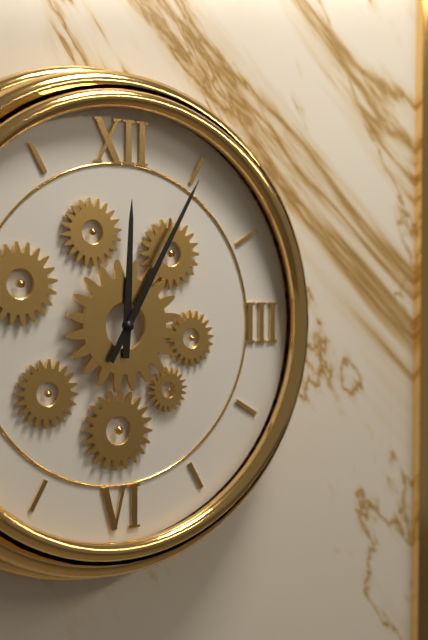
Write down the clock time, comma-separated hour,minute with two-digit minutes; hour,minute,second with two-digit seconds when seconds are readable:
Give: 12,05
